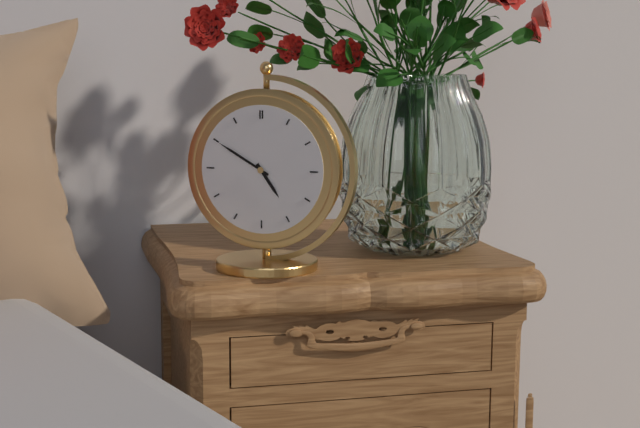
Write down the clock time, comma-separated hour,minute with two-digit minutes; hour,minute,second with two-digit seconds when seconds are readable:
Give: 4,50
